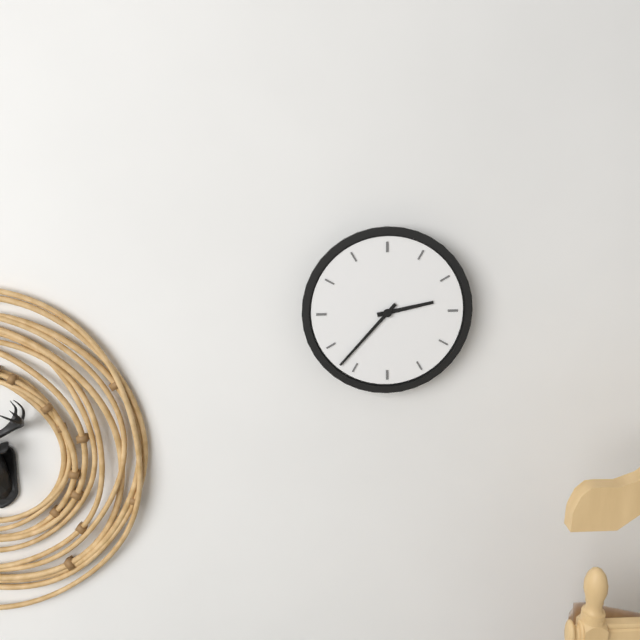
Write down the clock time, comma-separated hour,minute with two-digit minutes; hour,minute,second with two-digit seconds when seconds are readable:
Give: 2,37
